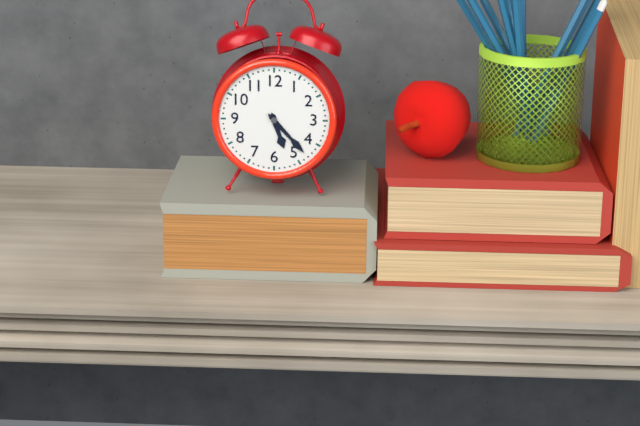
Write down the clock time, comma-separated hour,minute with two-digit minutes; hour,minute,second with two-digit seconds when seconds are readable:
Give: 5,23
